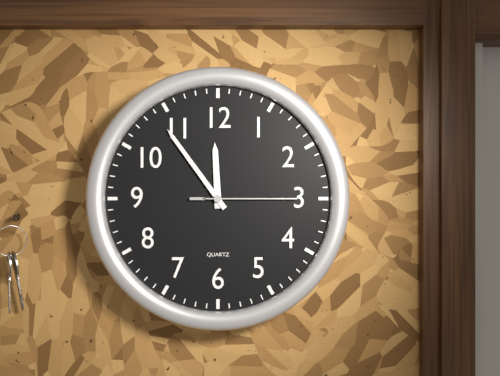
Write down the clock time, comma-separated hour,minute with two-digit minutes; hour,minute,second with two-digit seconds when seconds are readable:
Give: 11,54,15
